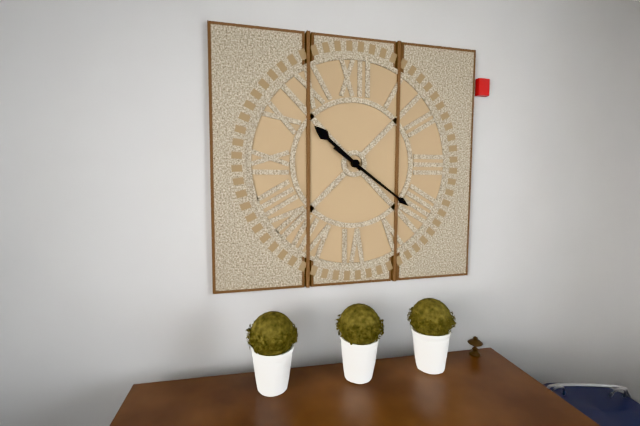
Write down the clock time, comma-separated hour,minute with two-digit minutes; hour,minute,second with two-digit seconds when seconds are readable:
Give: 10,21
